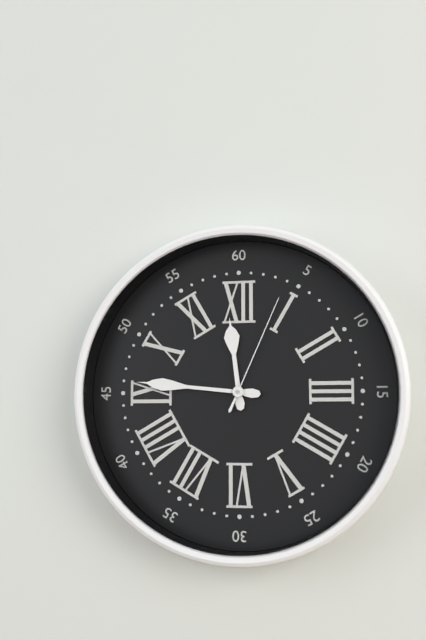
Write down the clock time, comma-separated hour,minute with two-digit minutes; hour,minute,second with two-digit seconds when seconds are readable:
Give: 11,46,04
